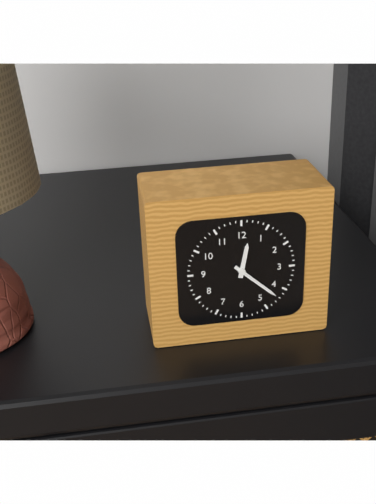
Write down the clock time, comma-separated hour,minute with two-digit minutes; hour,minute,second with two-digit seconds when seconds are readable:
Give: 12,22
